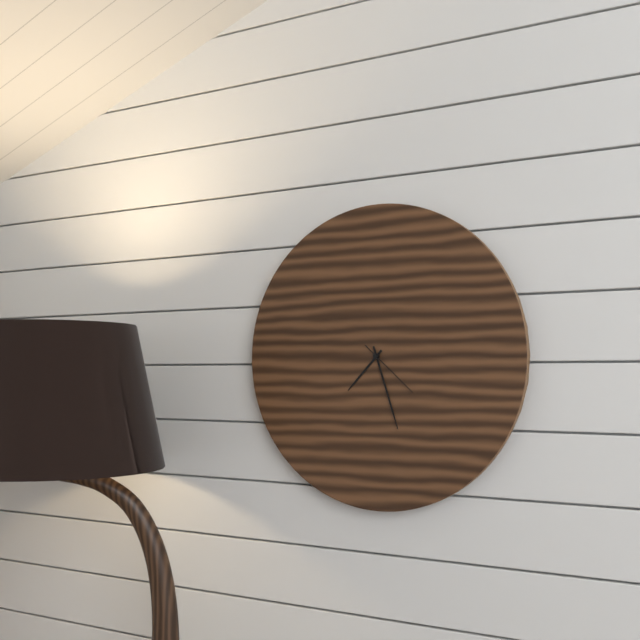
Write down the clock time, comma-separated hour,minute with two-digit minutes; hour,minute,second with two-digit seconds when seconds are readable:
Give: 7,27,22
